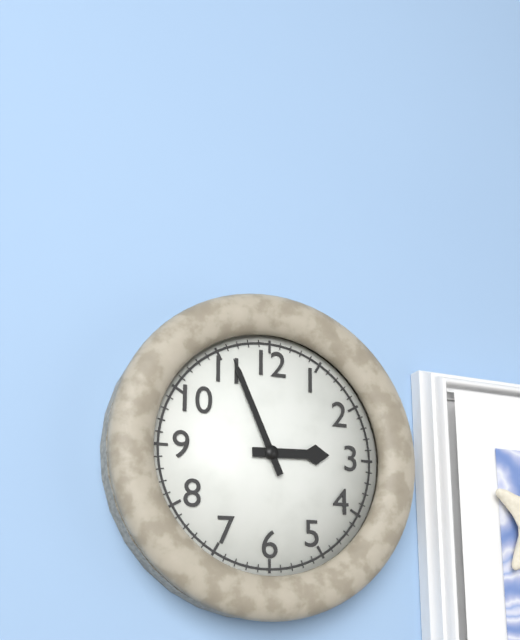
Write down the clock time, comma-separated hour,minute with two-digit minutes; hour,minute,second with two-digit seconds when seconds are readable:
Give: 2,56
